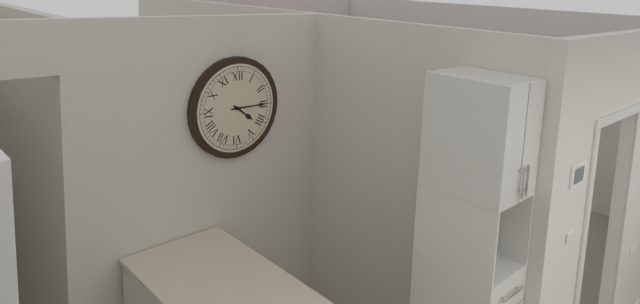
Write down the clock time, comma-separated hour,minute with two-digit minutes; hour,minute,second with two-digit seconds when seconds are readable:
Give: 4,15
